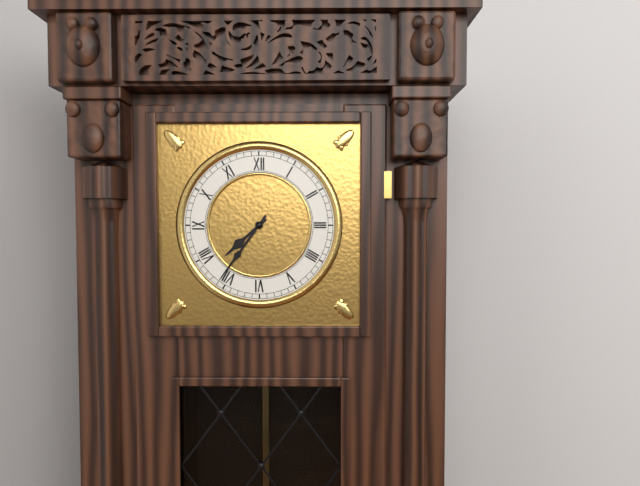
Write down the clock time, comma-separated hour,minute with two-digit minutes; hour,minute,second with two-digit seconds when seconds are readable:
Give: 7,36
